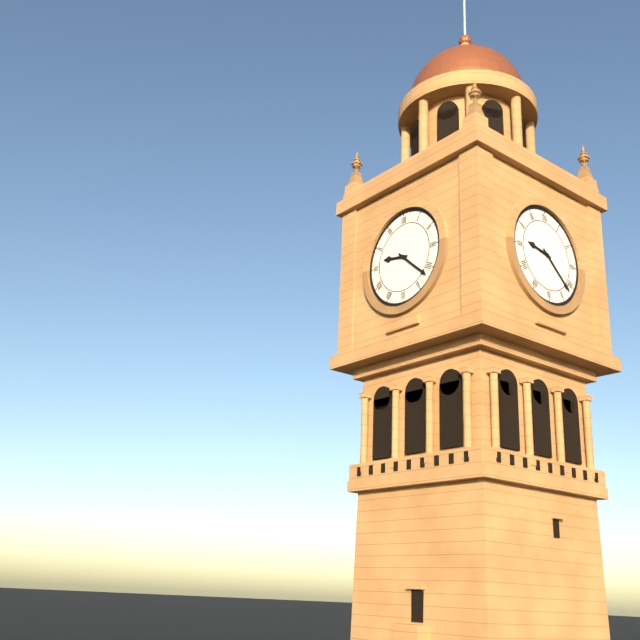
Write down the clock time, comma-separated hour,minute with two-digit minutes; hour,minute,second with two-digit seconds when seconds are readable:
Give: 9,22
